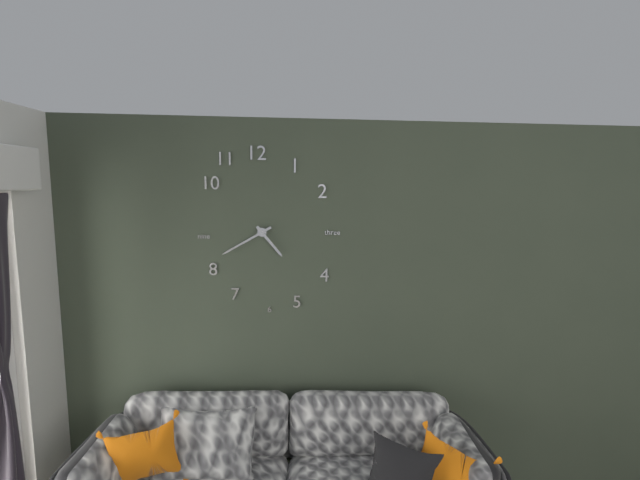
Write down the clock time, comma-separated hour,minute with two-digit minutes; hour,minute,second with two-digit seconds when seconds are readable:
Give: 4,40
